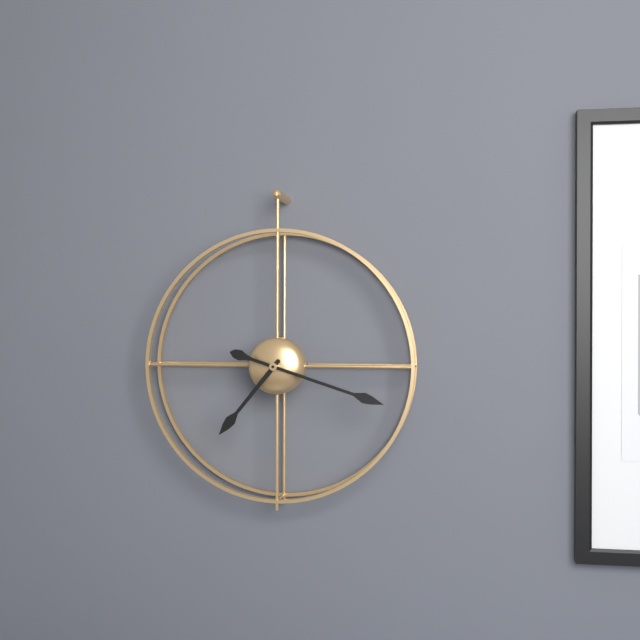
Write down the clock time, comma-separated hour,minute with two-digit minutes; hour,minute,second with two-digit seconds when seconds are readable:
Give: 7,18
